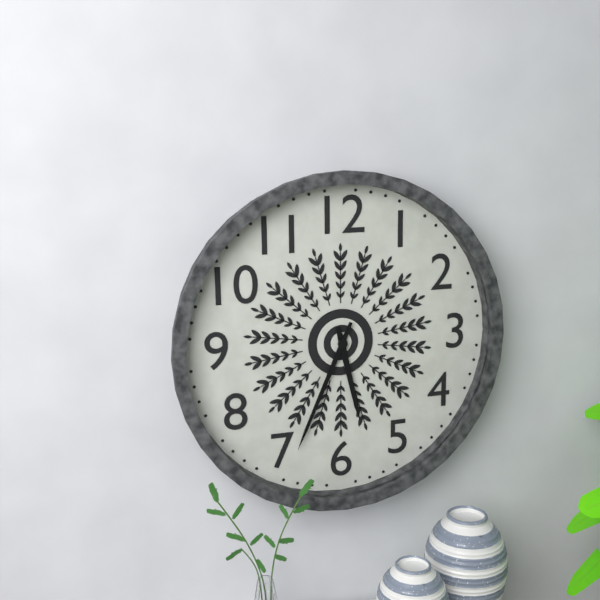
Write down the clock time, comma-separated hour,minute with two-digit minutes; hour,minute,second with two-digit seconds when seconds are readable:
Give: 5,34
